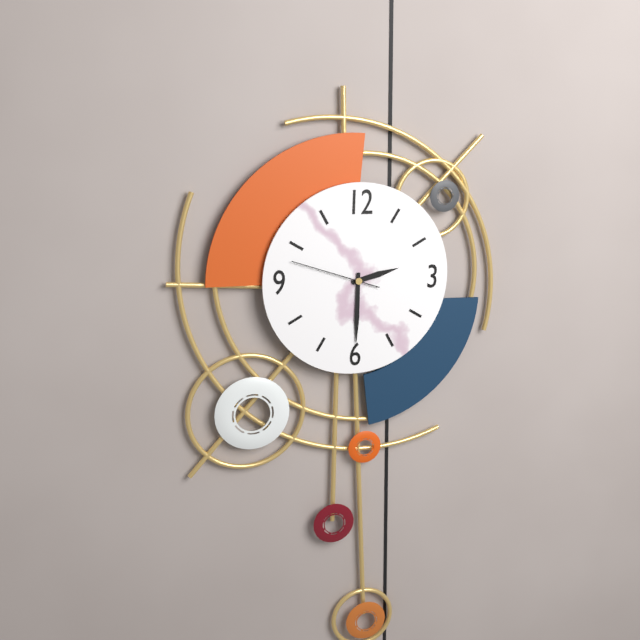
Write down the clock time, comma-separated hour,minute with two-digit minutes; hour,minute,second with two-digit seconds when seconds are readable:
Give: 2,30,48
